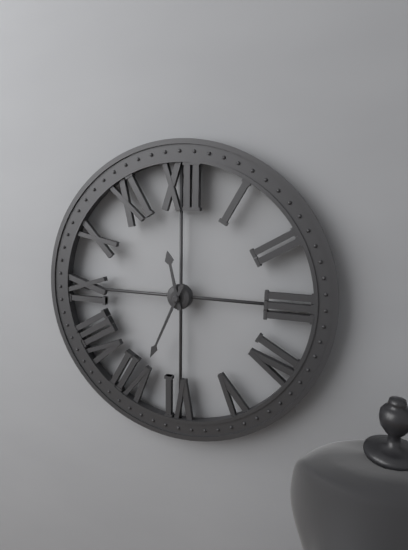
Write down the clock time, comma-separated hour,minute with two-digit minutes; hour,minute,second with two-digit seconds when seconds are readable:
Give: 11,34
